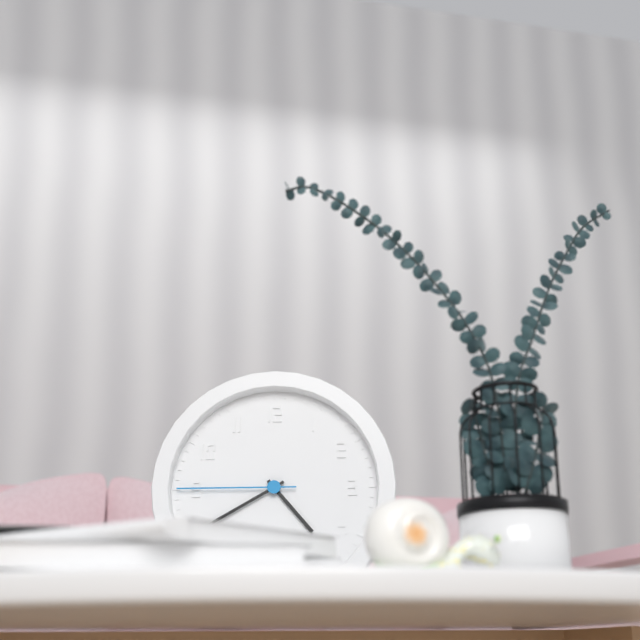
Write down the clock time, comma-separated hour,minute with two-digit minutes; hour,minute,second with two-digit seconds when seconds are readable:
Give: 4,40,45
